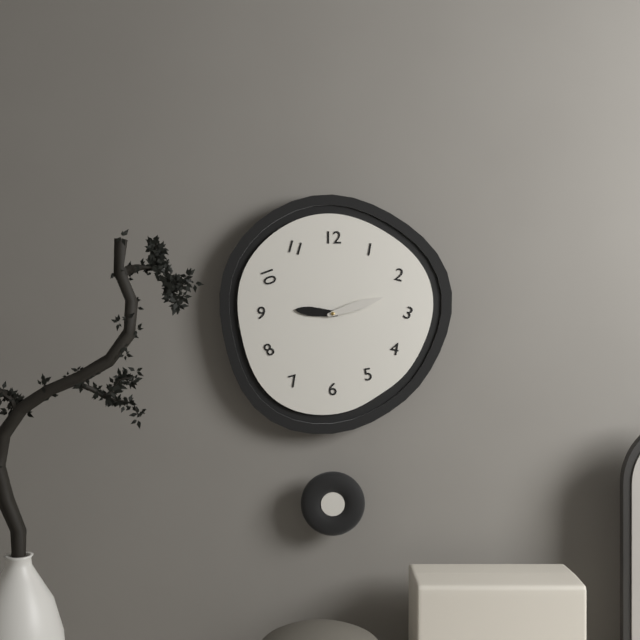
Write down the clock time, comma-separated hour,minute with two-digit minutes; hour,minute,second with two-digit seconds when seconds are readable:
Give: 9,12
